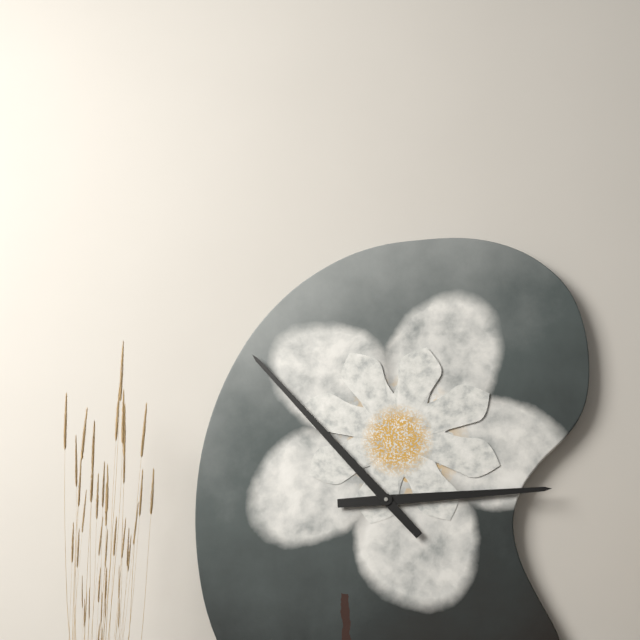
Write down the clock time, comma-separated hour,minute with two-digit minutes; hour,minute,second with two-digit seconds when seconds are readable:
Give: 2,53
